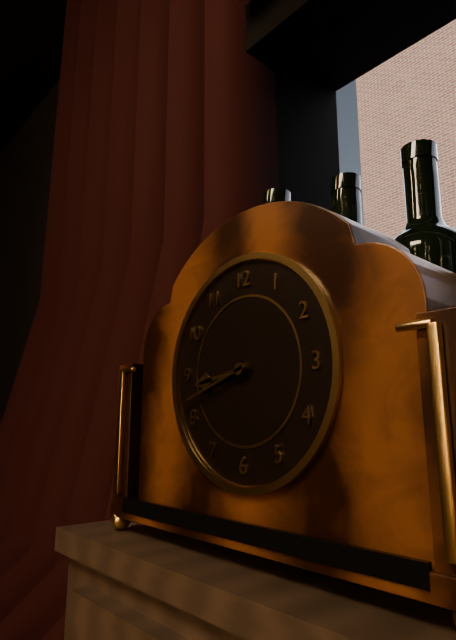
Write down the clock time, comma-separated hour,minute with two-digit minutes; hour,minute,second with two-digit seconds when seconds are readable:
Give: 8,42
